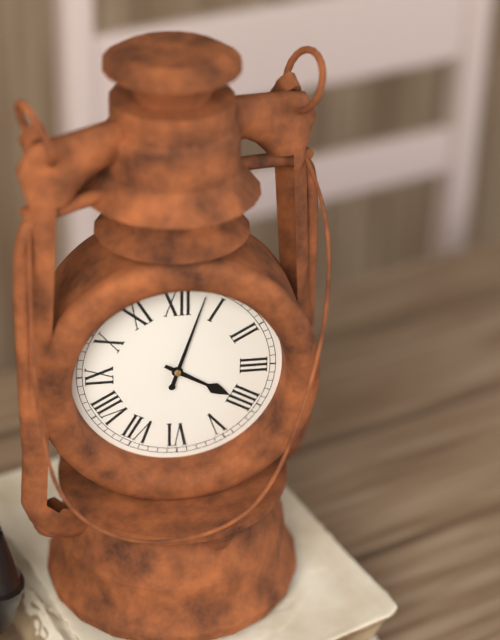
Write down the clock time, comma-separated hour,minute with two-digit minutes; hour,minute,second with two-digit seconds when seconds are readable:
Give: 4,03
